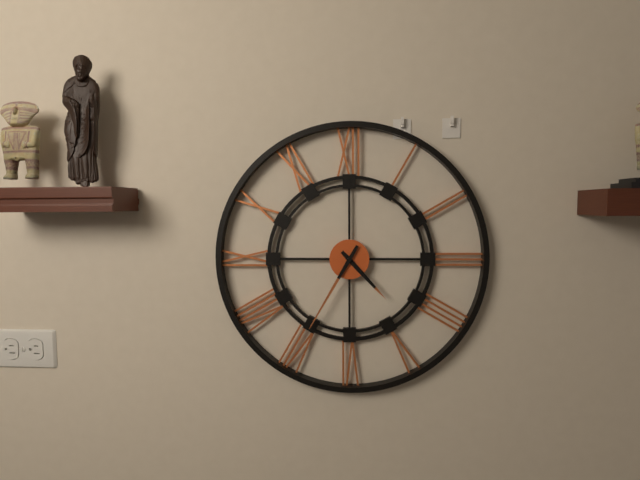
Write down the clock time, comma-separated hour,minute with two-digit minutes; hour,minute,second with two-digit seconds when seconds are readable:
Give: 4,35
